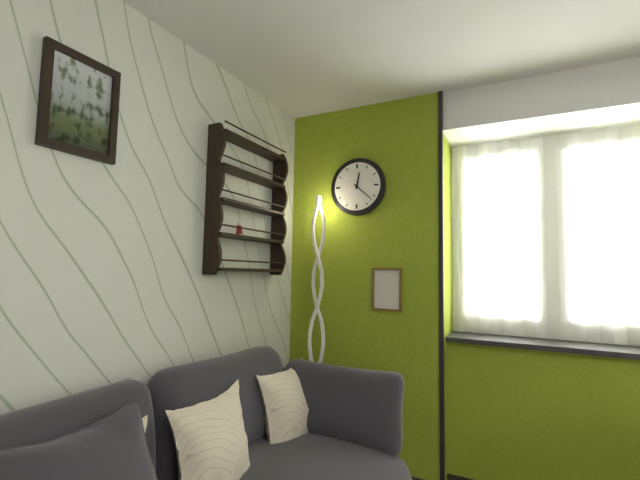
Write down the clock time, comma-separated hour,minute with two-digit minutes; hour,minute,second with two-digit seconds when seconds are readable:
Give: 12,22
